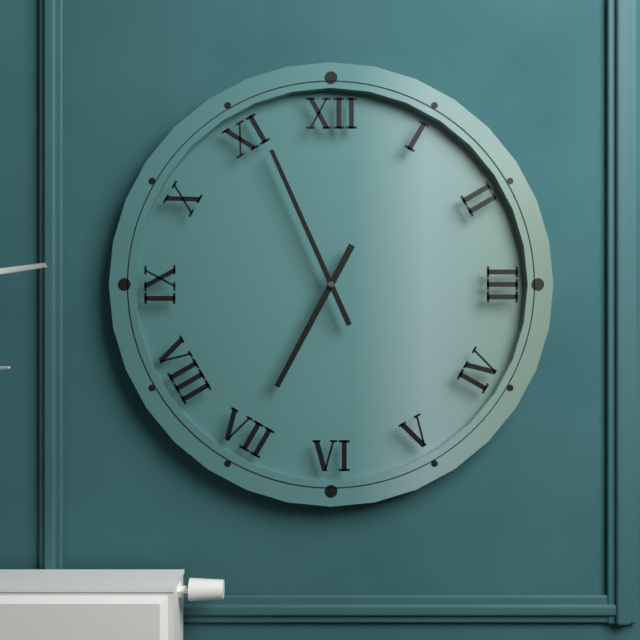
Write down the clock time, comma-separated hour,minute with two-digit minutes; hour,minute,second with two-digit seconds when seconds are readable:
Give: 6,56
